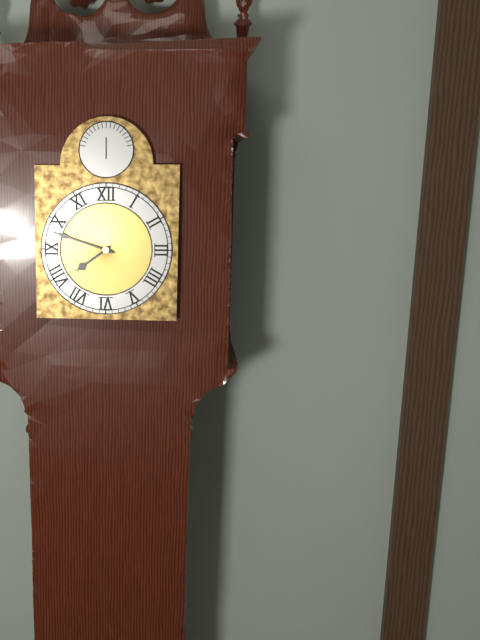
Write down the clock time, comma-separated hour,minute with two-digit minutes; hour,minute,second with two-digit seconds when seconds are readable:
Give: 7,48
